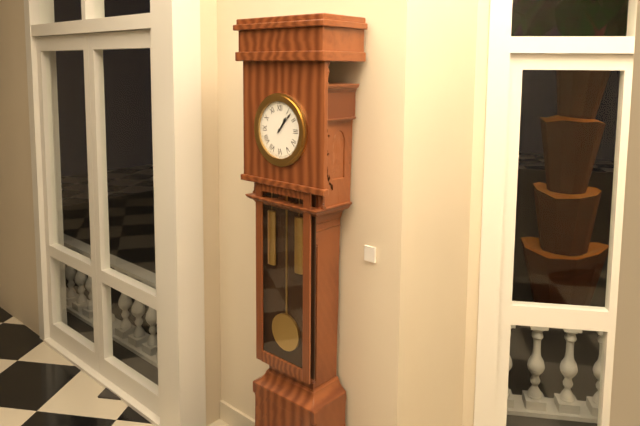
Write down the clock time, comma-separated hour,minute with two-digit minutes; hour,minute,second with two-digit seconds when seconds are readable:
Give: 1,07
